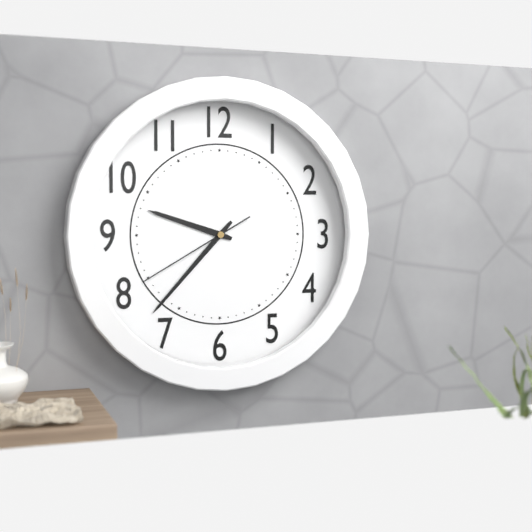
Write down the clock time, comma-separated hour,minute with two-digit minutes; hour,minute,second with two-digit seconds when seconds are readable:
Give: 9,37,40
